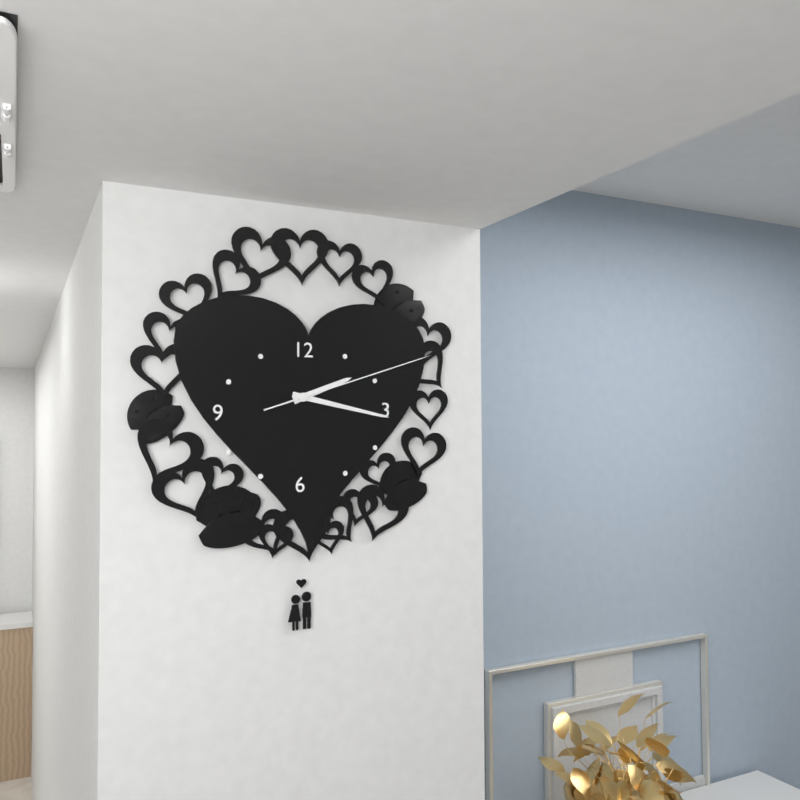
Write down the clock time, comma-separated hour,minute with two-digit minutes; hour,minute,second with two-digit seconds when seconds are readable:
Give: 2,17,12
